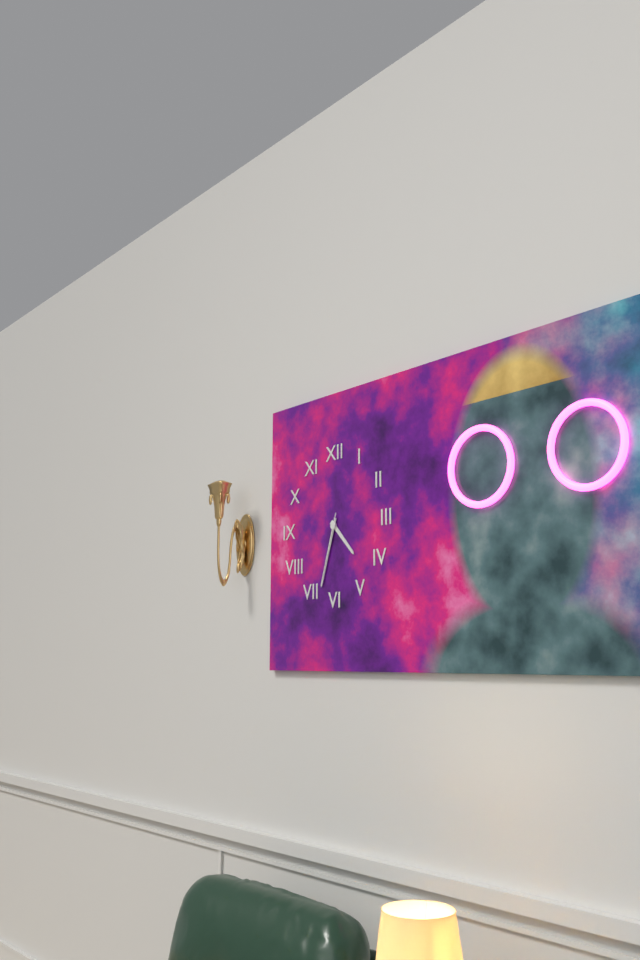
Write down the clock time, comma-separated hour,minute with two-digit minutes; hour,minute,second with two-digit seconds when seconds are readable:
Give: 4,33,33
